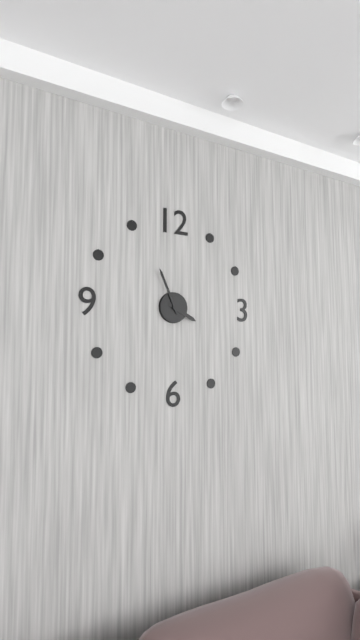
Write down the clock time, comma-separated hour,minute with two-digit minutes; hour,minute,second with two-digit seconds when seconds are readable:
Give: 3,56
